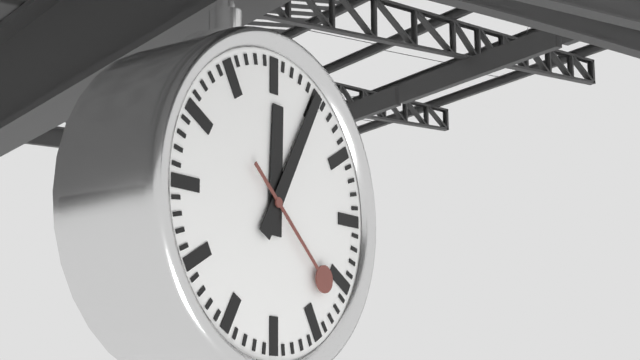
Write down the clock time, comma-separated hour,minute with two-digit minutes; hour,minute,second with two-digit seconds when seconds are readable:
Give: 12,05,22
